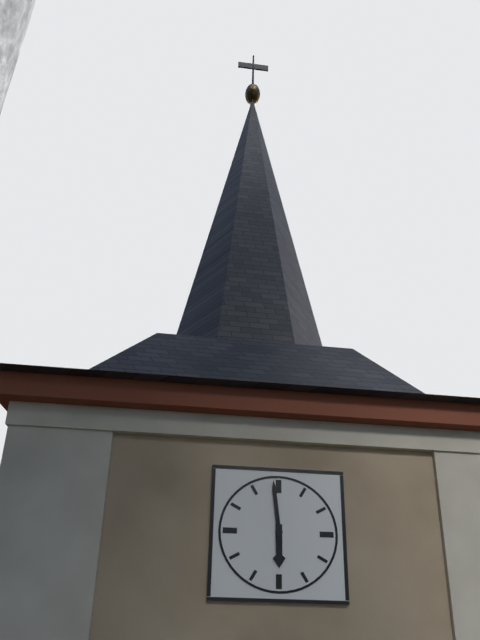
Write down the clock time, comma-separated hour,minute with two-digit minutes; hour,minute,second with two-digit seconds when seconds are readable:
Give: 5,59
